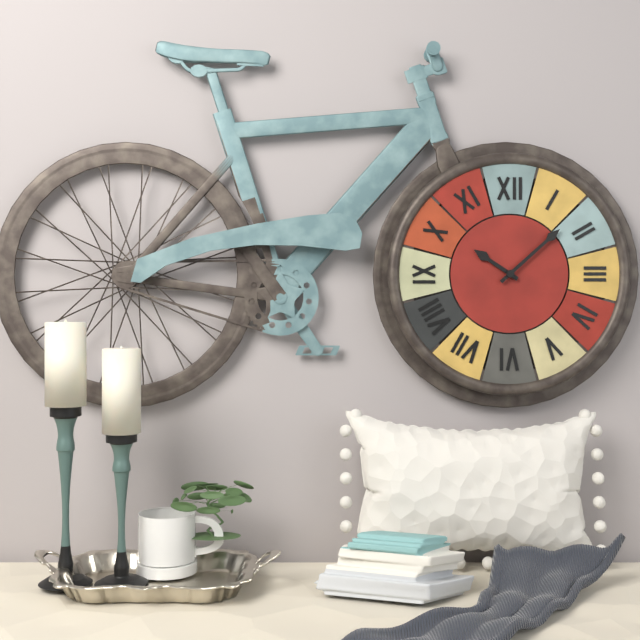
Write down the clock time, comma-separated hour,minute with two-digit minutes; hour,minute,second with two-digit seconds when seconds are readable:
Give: 10,08
